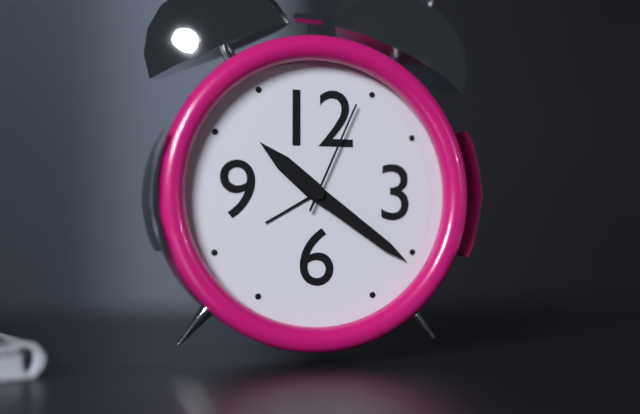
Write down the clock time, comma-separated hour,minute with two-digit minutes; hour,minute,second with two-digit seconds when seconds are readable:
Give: 10,21,04
